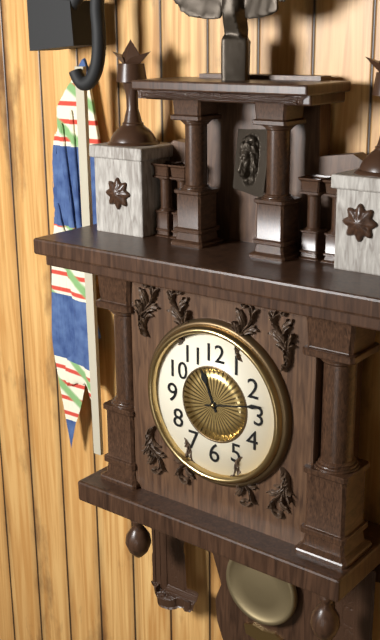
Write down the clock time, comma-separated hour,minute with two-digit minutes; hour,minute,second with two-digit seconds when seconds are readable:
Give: 11,13
